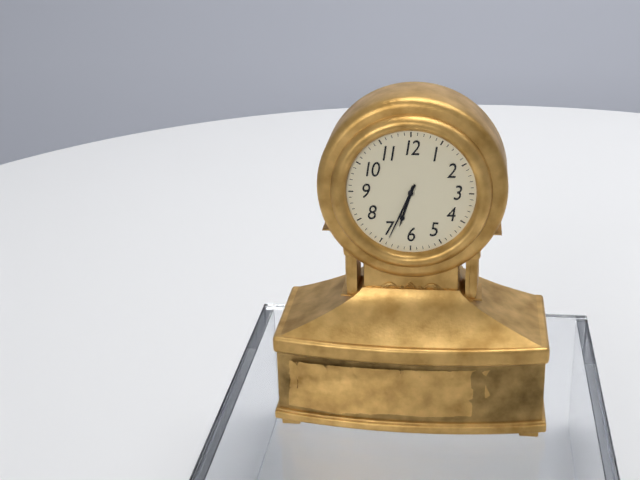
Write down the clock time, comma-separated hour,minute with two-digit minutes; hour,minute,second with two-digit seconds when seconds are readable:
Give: 6,34
